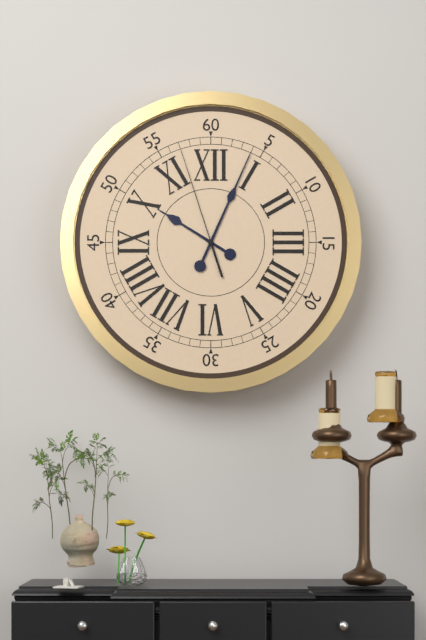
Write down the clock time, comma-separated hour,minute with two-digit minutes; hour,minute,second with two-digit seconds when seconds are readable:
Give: 10,04,57
